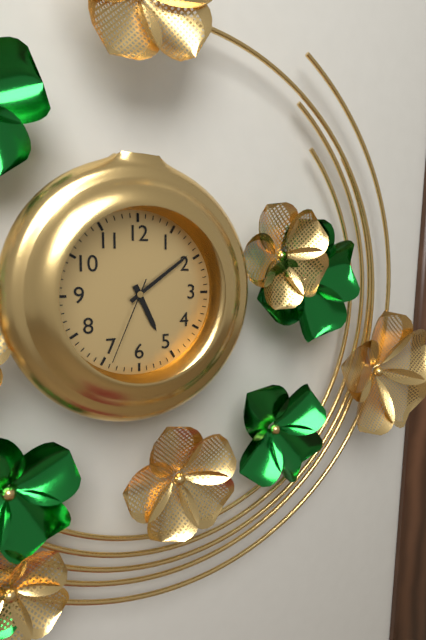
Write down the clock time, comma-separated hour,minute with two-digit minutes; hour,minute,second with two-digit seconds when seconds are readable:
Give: 5,09,34
